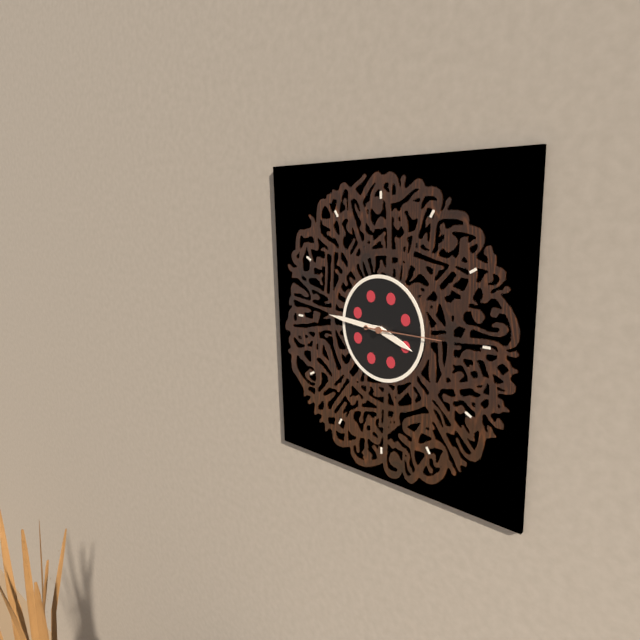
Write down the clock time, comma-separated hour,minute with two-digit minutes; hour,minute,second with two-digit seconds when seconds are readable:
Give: 3,46,15
